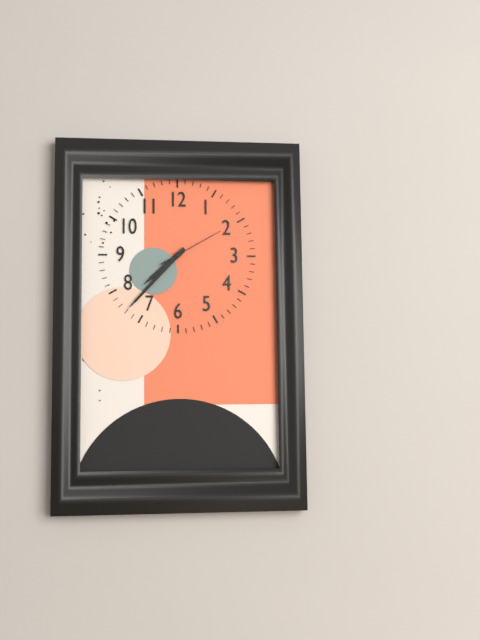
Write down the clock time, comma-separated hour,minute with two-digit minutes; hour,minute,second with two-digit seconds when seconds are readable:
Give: 7,37,10
